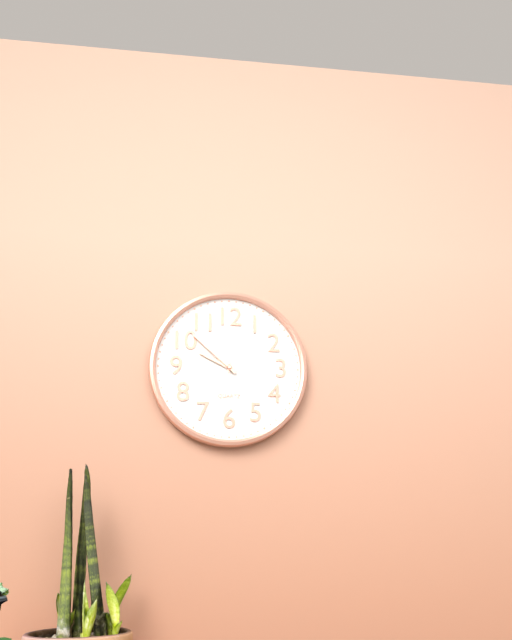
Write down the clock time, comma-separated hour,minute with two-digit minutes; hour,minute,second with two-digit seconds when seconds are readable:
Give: 9,52,32
